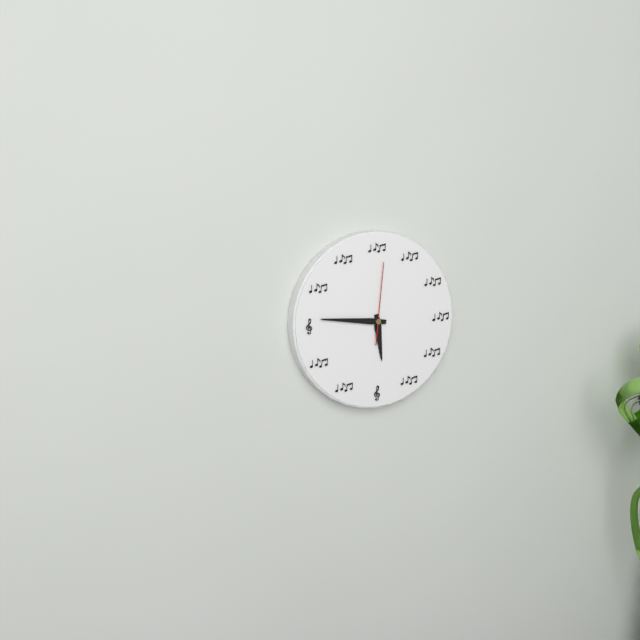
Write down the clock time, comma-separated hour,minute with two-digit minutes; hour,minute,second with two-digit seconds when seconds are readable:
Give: 5,46,01
